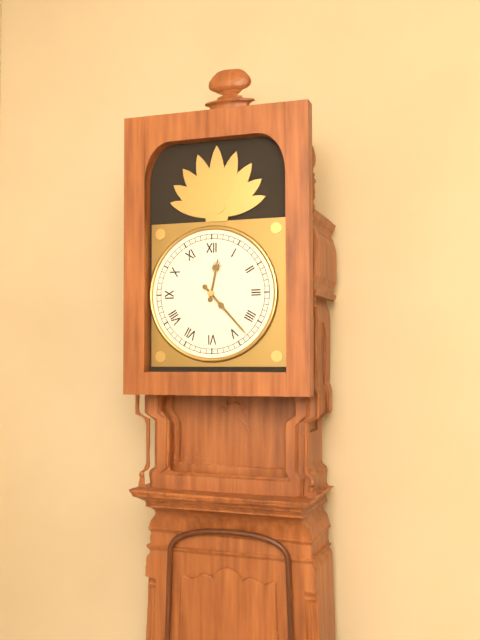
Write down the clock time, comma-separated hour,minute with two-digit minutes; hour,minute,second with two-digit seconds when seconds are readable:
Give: 12,23
